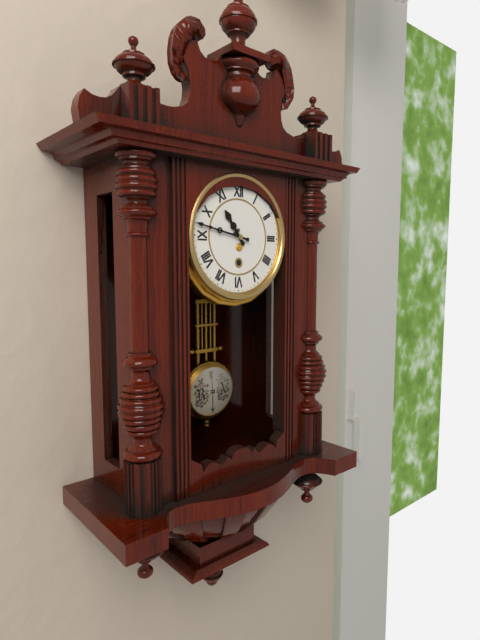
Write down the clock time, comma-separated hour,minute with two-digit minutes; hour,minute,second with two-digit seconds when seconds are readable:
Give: 10,47
